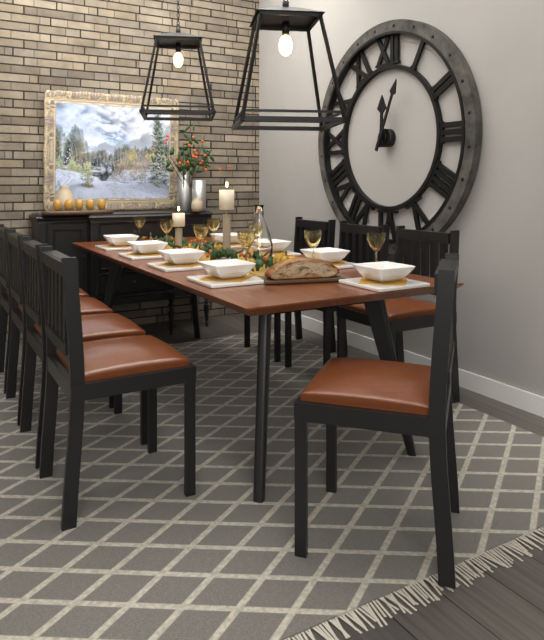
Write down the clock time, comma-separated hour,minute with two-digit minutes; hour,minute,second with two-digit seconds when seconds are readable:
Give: 12,04
